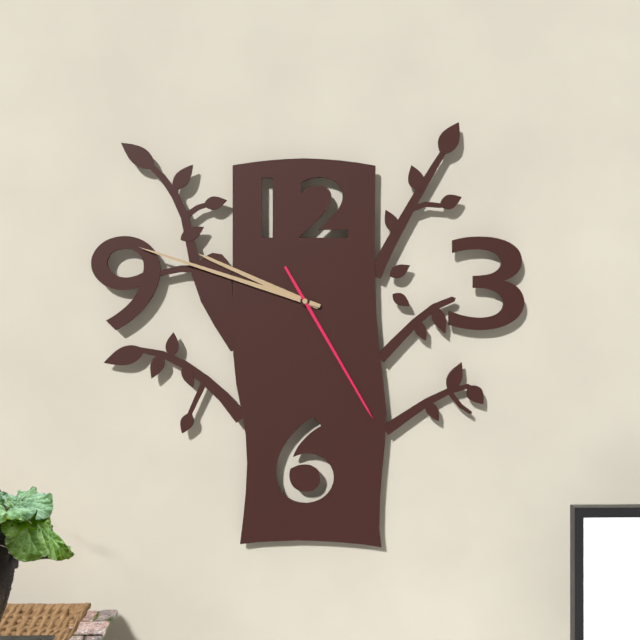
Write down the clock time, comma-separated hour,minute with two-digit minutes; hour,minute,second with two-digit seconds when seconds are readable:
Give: 9,48,25
